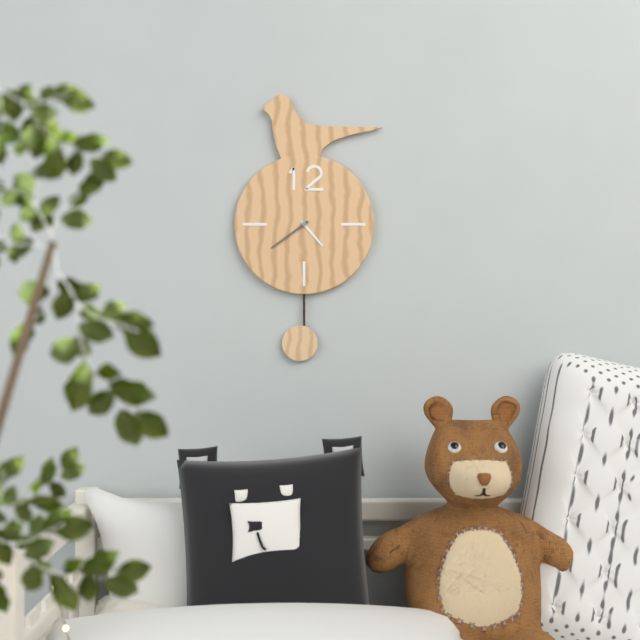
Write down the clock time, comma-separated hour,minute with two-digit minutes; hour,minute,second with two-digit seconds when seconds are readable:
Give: 4,39
